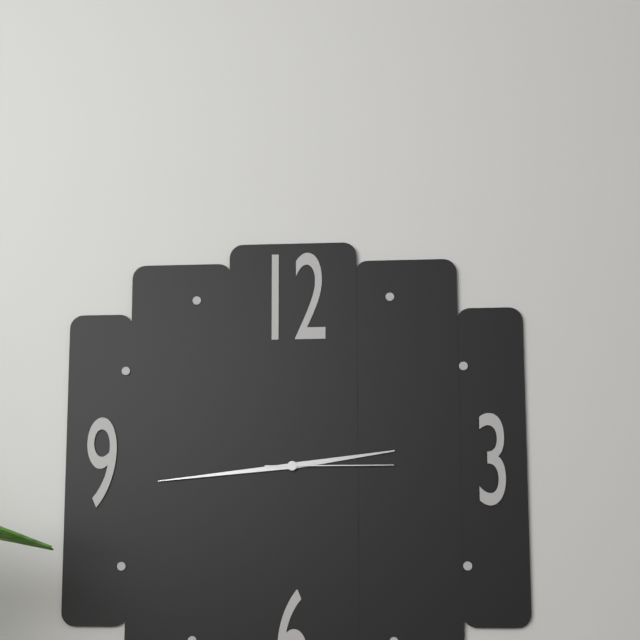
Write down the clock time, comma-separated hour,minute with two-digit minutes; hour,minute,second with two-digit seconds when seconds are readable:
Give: 2,44,15
